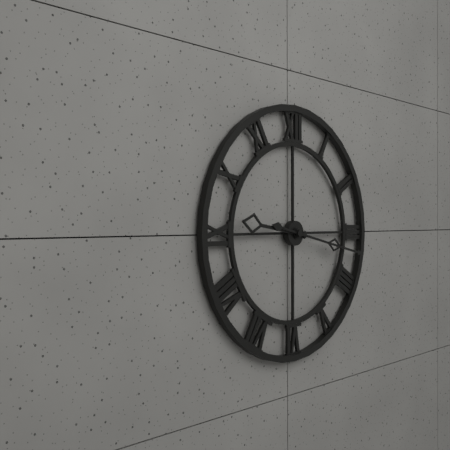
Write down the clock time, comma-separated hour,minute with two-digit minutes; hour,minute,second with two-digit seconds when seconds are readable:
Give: 9,17
